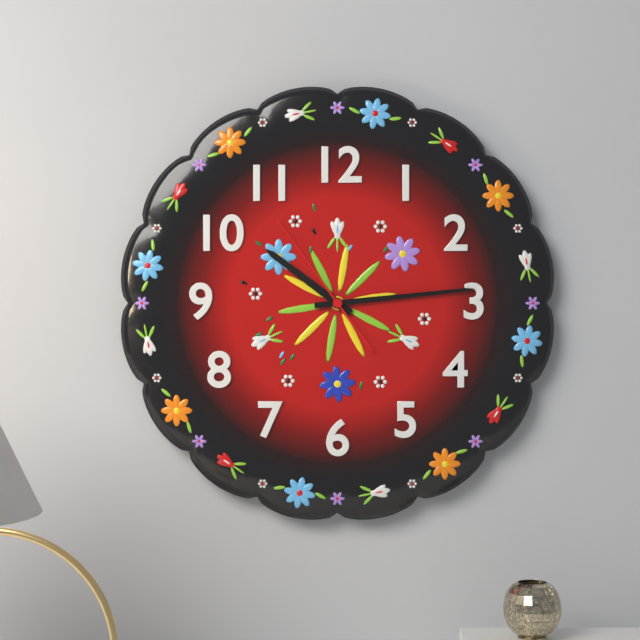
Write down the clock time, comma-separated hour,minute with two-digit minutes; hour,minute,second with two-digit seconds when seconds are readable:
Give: 10,14,54
